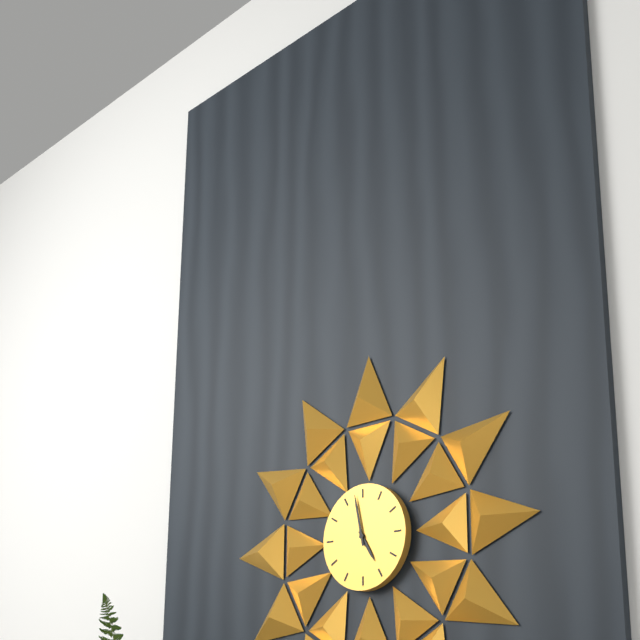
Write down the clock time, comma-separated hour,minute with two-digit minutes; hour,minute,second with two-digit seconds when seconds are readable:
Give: 4,58
